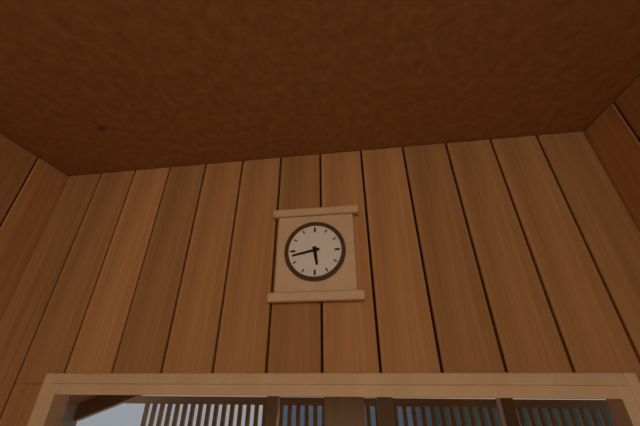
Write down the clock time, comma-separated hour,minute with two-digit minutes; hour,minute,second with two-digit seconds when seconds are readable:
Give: 5,43
